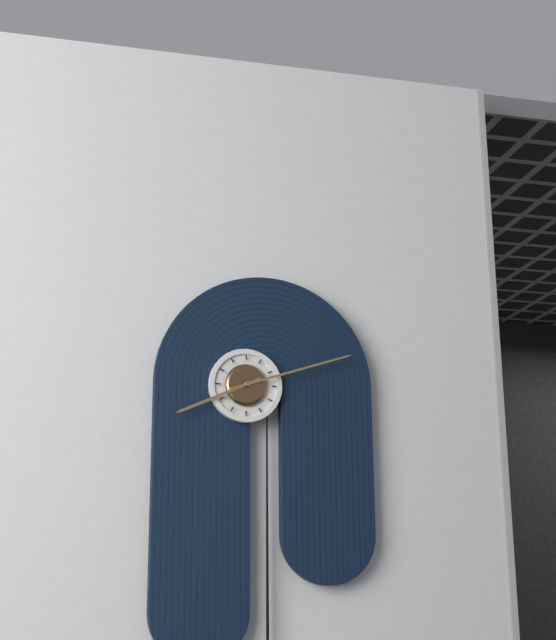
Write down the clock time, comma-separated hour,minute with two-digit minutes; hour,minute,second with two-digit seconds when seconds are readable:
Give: 8,12
